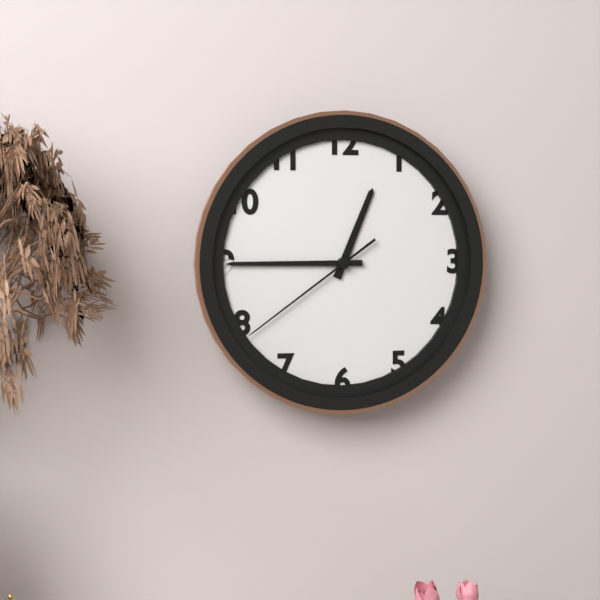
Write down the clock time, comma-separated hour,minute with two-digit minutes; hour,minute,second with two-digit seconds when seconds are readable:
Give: 12,45,39
